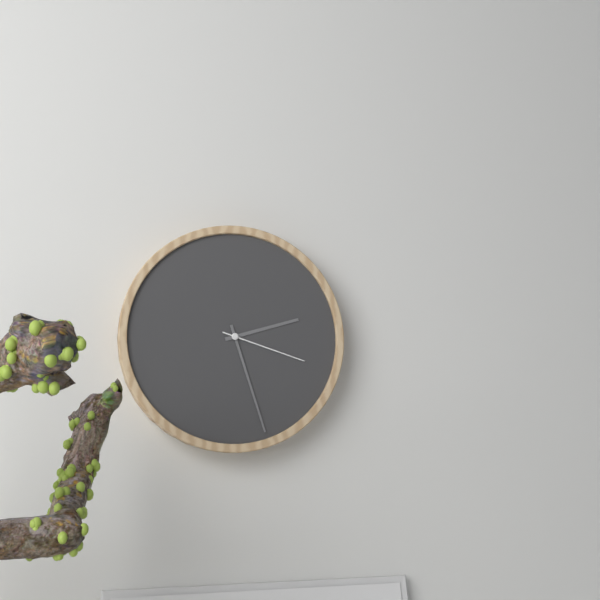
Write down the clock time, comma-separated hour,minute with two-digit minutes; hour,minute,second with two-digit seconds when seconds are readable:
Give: 2,27,18
